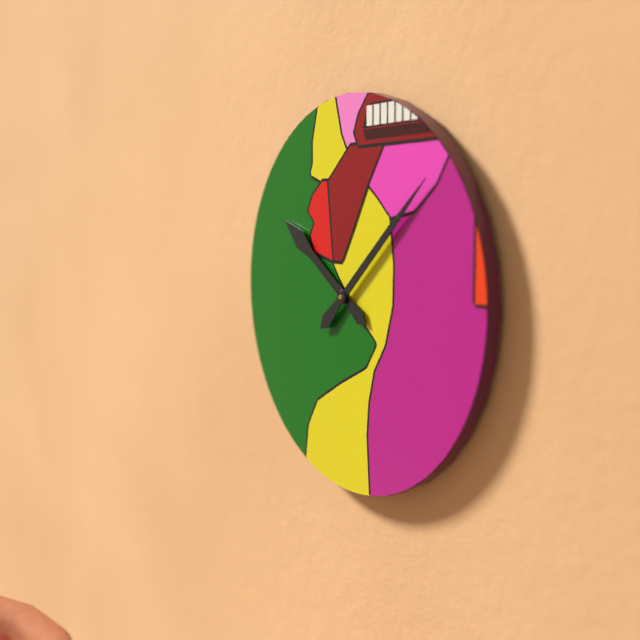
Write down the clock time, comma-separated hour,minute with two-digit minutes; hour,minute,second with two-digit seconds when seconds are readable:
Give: 10,08
